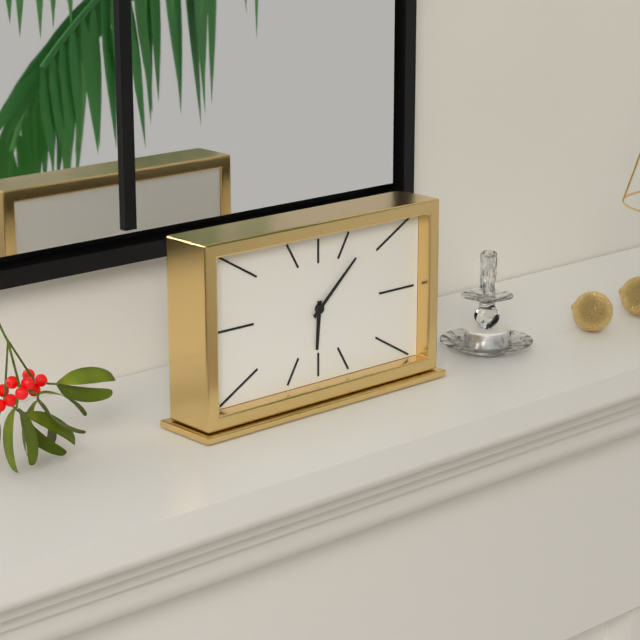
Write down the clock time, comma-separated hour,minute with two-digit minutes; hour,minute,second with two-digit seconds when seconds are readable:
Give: 6,08
